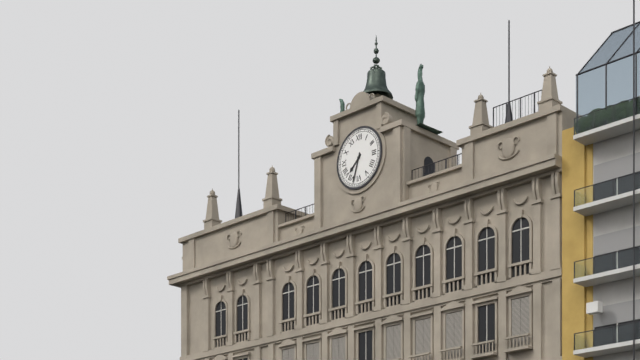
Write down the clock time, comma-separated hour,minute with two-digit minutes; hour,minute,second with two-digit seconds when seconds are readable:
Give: 7,33
